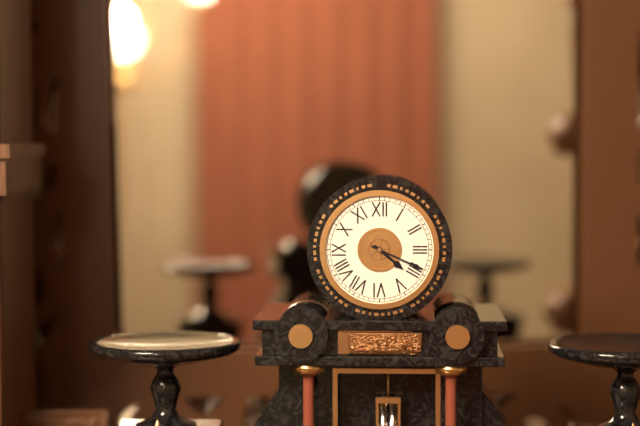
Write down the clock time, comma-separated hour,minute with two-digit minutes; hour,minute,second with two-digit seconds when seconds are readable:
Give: 4,19
